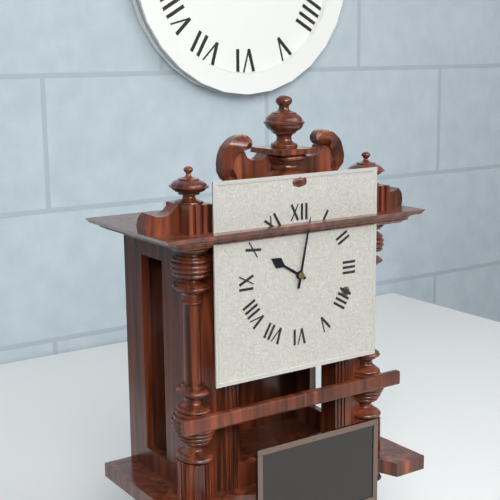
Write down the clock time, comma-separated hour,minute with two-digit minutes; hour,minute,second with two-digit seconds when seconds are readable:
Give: 10,02
